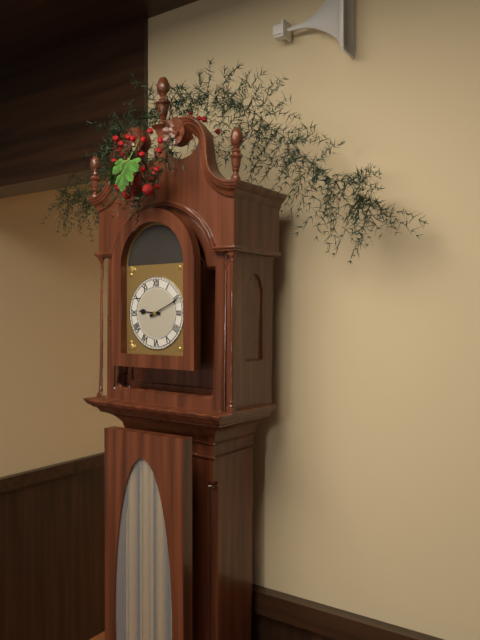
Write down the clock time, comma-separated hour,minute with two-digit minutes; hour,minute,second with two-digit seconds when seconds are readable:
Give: 9,11
